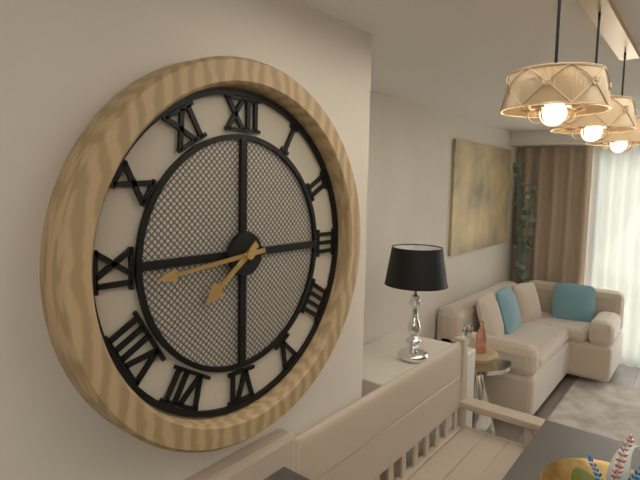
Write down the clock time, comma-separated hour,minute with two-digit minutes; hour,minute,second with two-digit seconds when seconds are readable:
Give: 7,44
